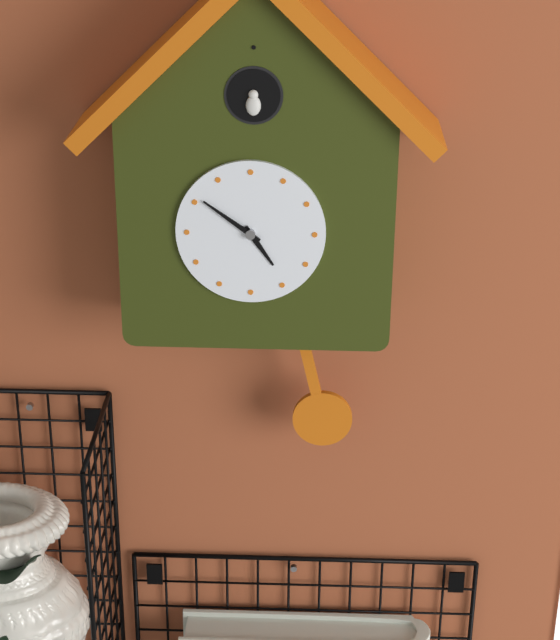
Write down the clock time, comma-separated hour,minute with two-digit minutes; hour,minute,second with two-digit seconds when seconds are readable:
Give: 4,51
